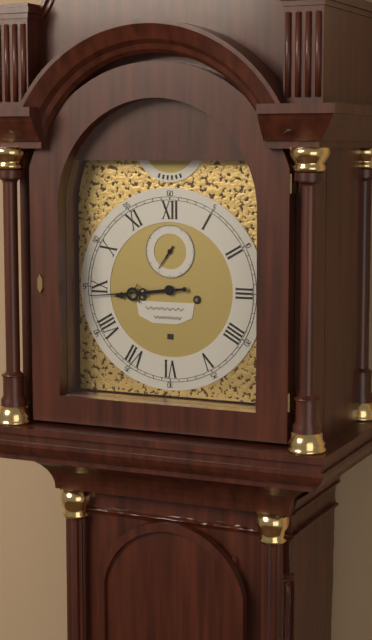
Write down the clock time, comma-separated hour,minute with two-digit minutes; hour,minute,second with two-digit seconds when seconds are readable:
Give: 8,44
